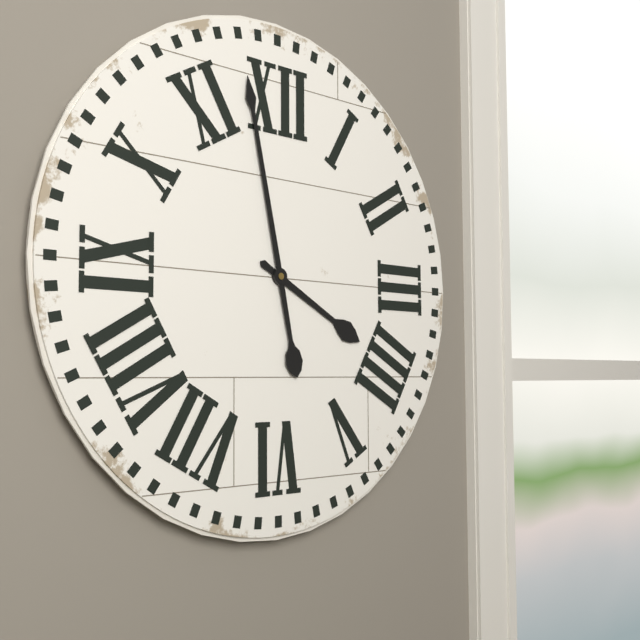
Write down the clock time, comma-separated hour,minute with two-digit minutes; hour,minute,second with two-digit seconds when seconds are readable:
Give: 3,58
